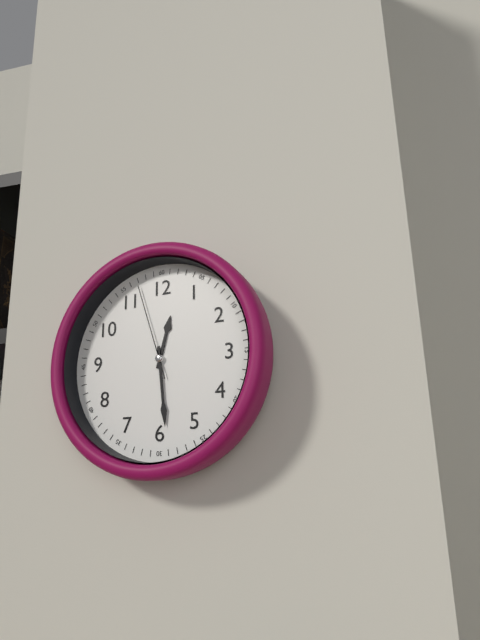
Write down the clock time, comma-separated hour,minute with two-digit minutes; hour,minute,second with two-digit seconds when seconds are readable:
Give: 12,29,57
